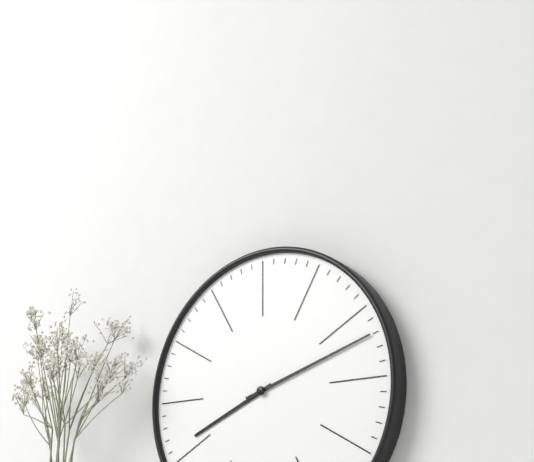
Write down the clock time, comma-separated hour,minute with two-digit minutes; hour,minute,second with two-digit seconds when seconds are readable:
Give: 8,12
